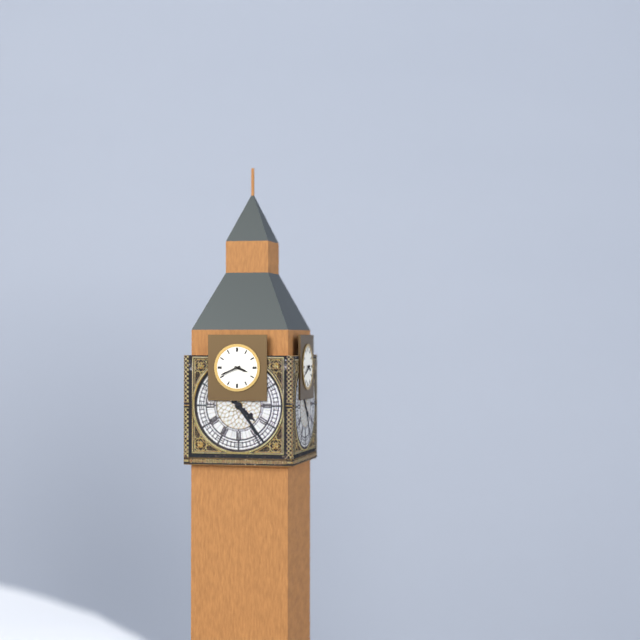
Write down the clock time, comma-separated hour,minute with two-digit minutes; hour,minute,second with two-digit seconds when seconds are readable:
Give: 3,41
